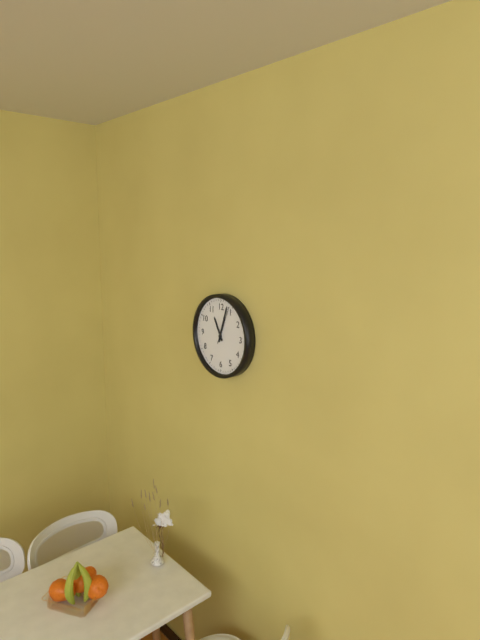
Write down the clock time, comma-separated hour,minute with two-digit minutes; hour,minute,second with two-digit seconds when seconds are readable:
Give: 11,03
